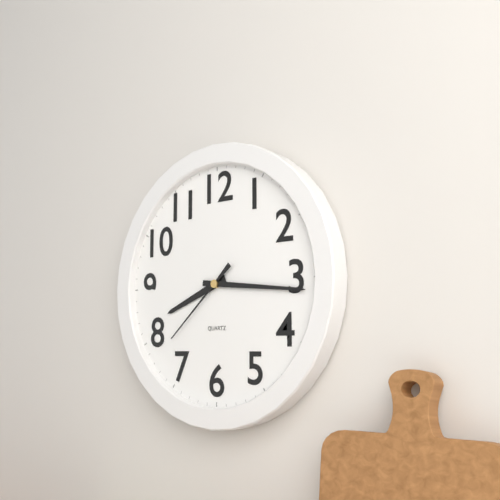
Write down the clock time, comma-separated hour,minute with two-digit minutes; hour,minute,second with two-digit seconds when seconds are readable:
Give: 8,16,38
